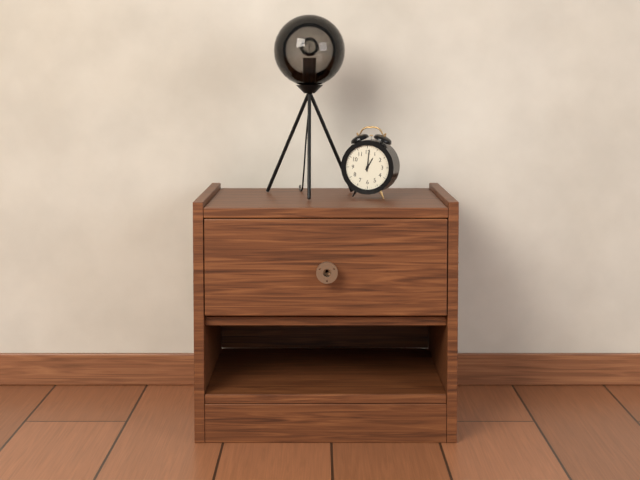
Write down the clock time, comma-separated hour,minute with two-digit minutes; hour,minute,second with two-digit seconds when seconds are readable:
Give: 1,01
